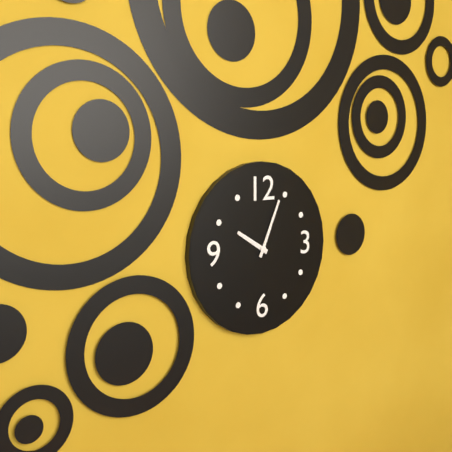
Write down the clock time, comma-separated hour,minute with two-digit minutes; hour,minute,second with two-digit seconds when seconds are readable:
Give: 10,04
